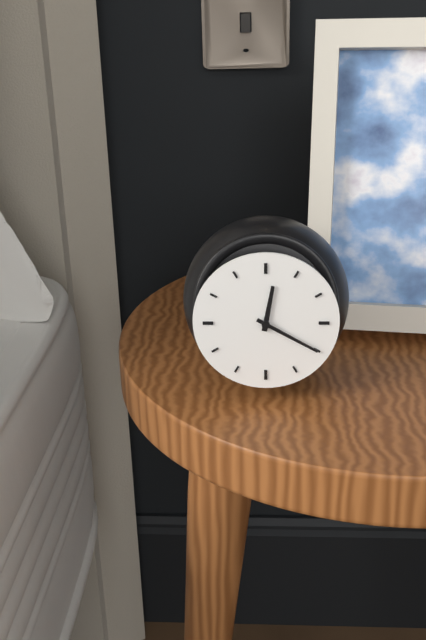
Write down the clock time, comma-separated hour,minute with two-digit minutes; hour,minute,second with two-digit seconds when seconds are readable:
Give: 12,20
